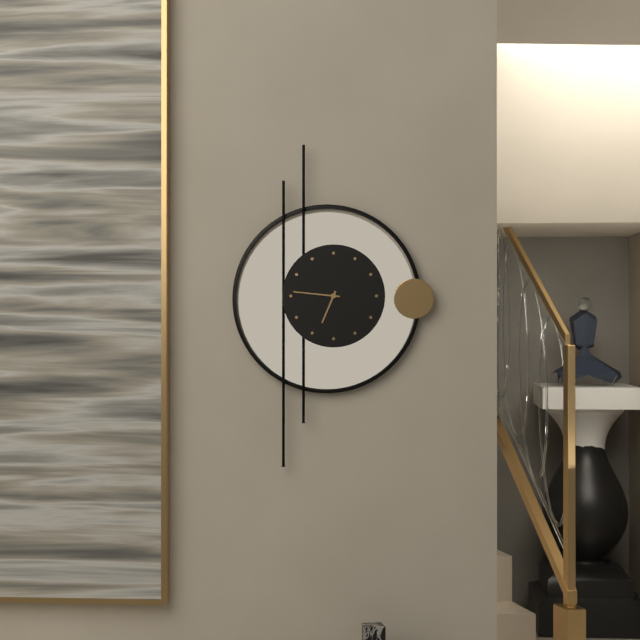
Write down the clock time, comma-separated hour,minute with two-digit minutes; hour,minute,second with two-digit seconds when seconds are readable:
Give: 6,46
